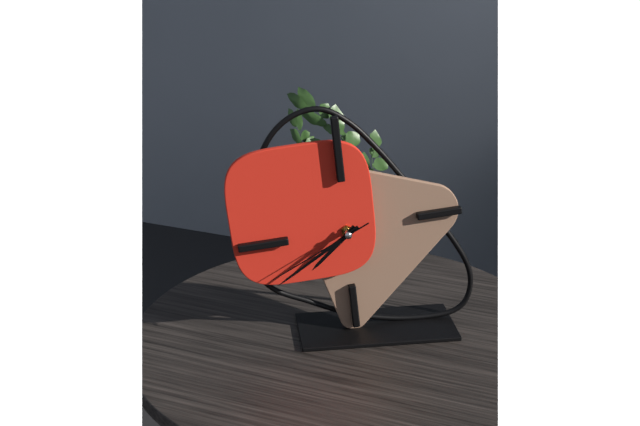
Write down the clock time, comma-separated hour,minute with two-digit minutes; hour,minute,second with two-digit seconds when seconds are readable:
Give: 7,40,41
